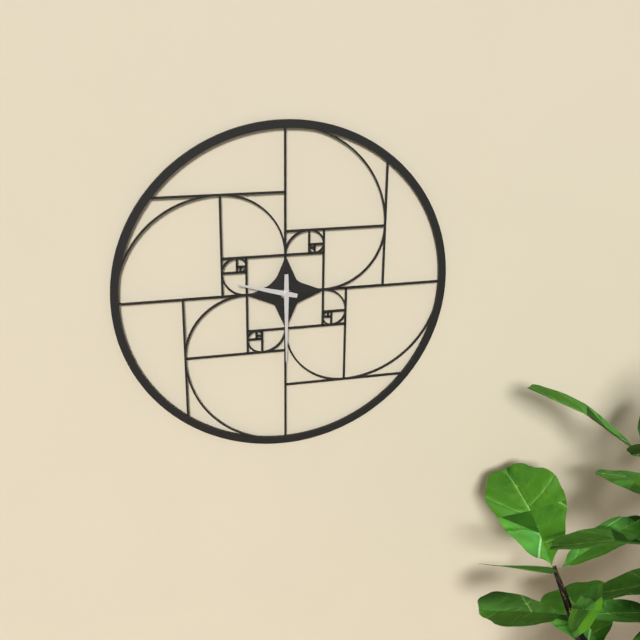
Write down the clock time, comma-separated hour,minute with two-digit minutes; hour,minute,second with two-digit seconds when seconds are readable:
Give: 9,30
